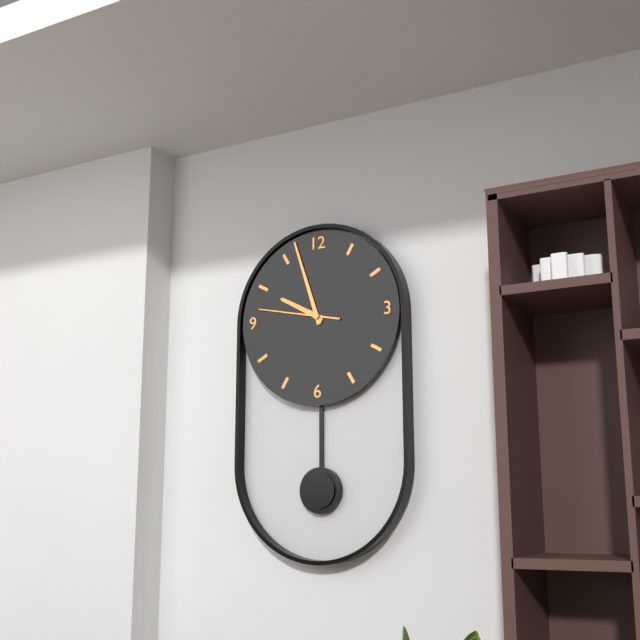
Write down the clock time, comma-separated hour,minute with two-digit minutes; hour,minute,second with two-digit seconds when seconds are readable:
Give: 9,57,47
